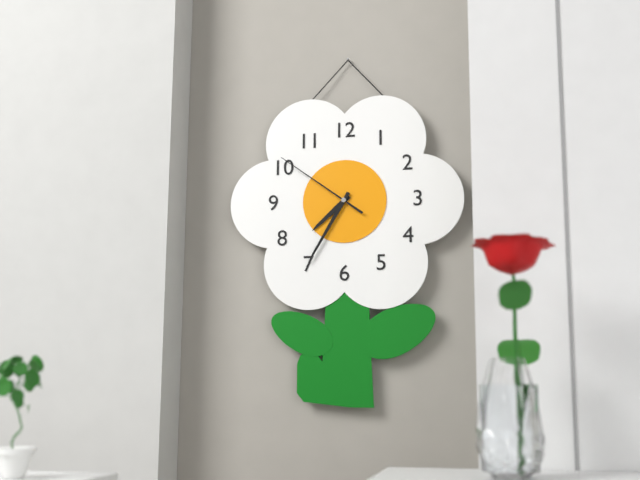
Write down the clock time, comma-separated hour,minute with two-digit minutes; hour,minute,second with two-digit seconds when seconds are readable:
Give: 7,35,51
